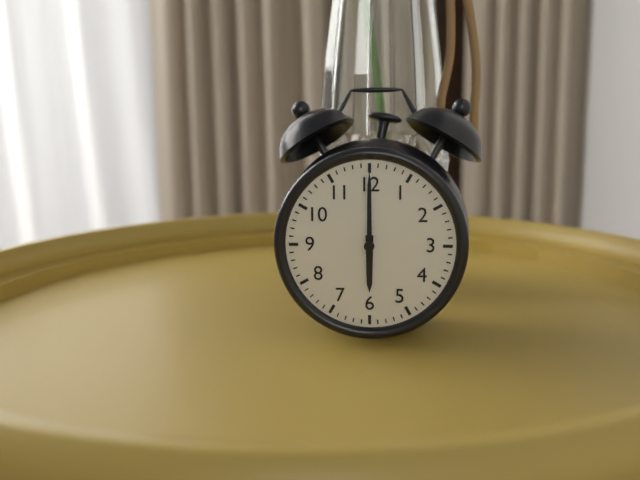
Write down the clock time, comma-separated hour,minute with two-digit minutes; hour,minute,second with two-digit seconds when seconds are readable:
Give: 6,00
